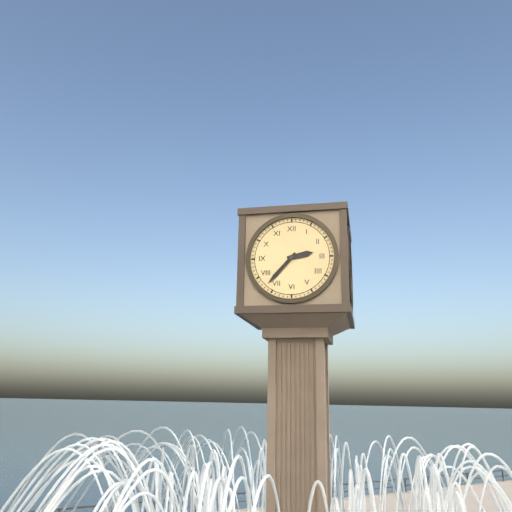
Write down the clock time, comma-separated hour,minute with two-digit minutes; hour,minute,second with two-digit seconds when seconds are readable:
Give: 2,37
